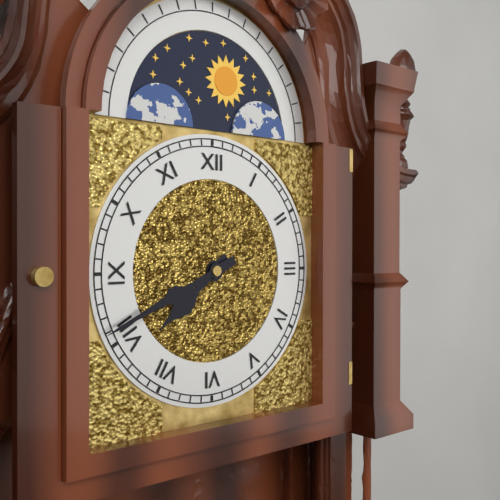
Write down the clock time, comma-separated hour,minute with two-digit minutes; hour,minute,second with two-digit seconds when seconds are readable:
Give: 7,41
